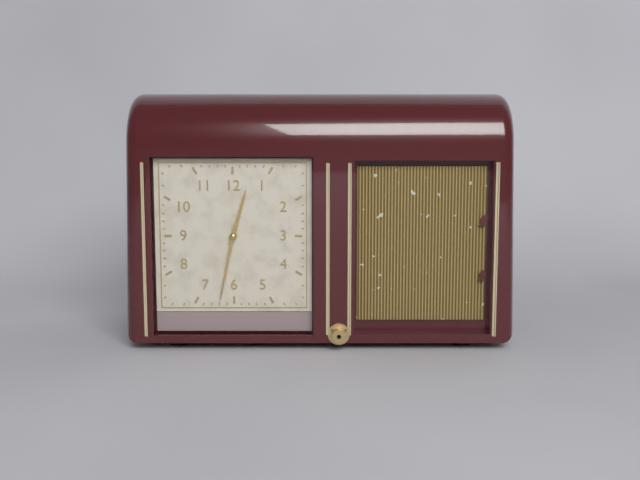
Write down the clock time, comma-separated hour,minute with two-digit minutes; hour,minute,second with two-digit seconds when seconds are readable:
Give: 12,32
